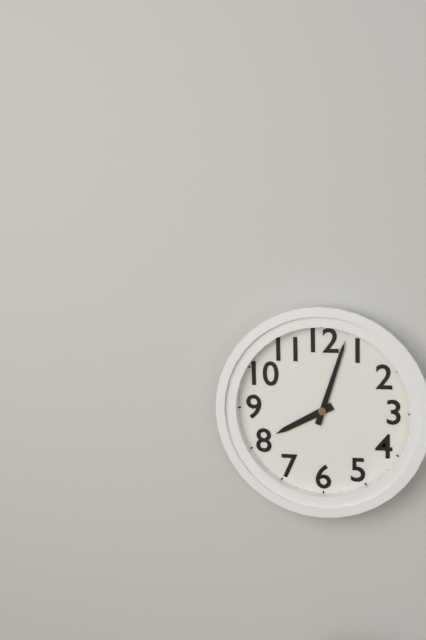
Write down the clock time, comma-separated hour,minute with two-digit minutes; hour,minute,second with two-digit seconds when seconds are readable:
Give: 8,03
